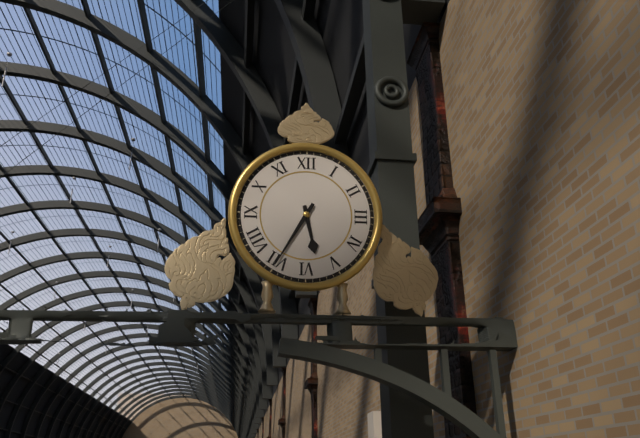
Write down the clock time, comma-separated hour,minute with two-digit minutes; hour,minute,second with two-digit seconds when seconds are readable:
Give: 5,35
